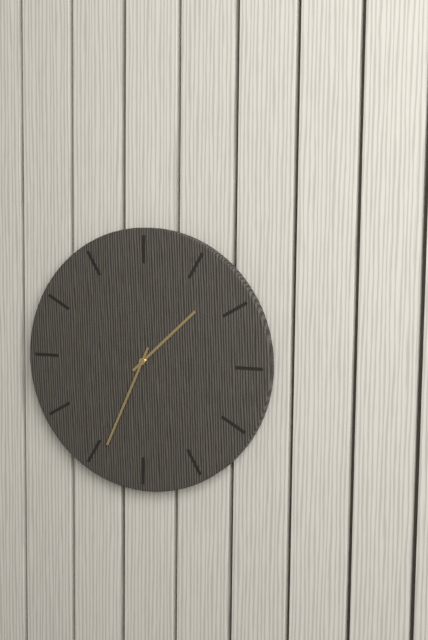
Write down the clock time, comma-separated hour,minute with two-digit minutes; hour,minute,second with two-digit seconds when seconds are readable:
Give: 1,34
